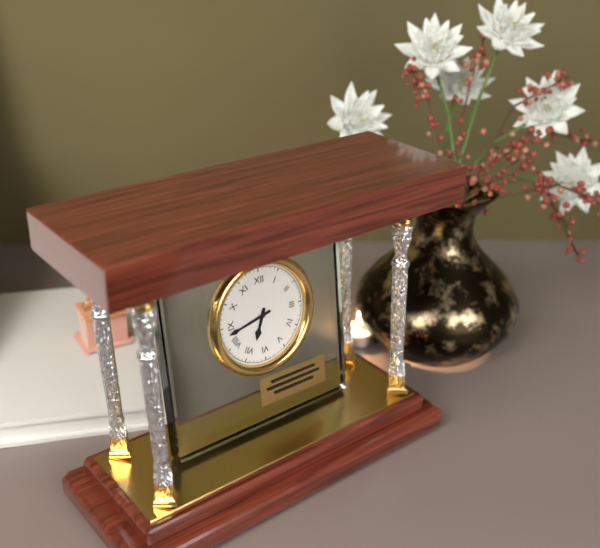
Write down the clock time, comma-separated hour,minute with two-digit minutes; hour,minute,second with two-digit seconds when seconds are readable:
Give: 6,43
